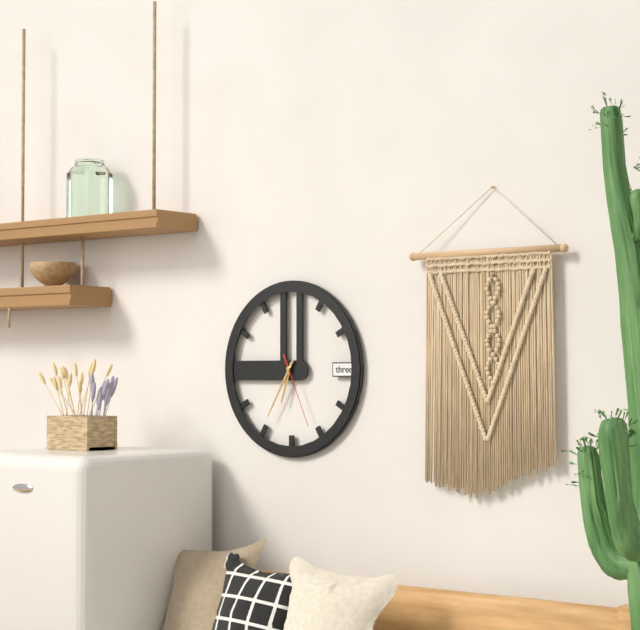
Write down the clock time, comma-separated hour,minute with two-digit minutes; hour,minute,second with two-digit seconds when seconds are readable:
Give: 6,35,26
